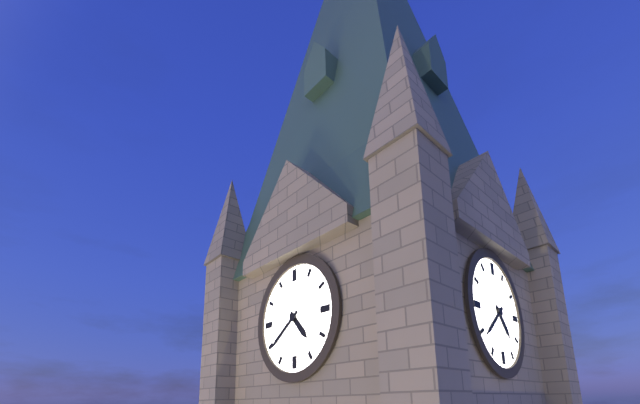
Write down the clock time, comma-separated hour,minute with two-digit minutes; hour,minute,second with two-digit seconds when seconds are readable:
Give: 4,39
